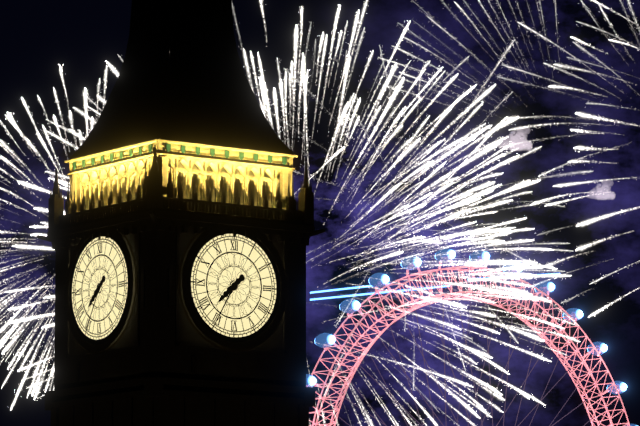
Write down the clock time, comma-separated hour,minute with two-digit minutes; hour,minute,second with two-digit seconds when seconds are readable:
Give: 7,35
